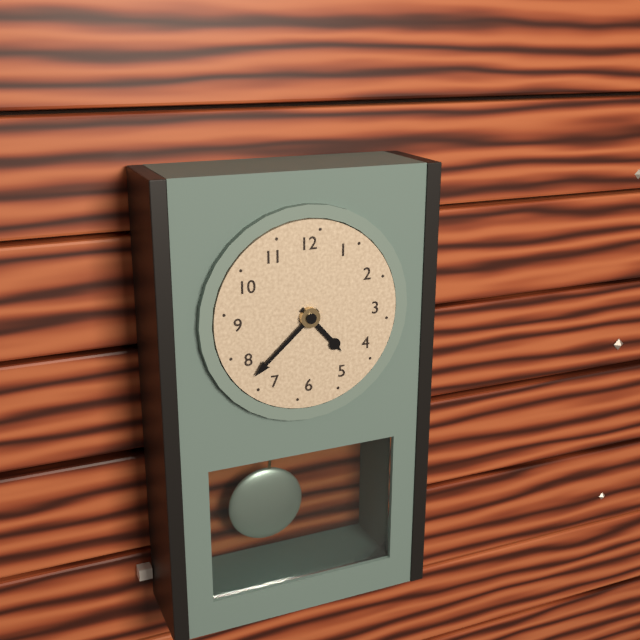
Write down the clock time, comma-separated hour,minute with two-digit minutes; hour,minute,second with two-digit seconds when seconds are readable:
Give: 4,38
